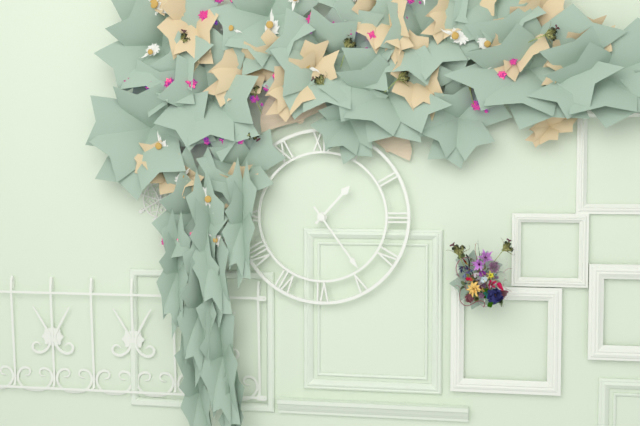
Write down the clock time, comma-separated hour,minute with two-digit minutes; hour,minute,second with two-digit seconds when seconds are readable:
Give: 1,24
